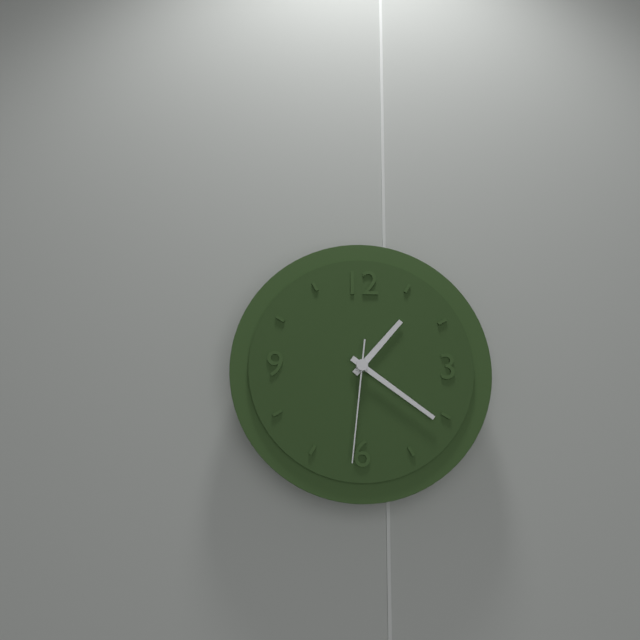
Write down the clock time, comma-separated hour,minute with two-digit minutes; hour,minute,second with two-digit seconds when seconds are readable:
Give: 1,21,31
